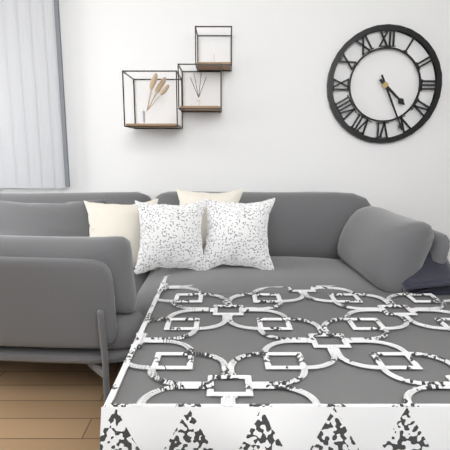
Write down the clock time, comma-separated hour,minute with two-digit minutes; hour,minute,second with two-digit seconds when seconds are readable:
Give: 4,26
